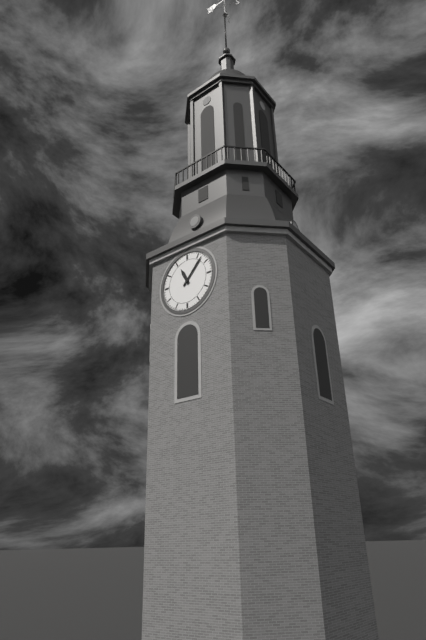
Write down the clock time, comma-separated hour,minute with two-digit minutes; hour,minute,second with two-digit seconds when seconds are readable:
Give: 11,07
